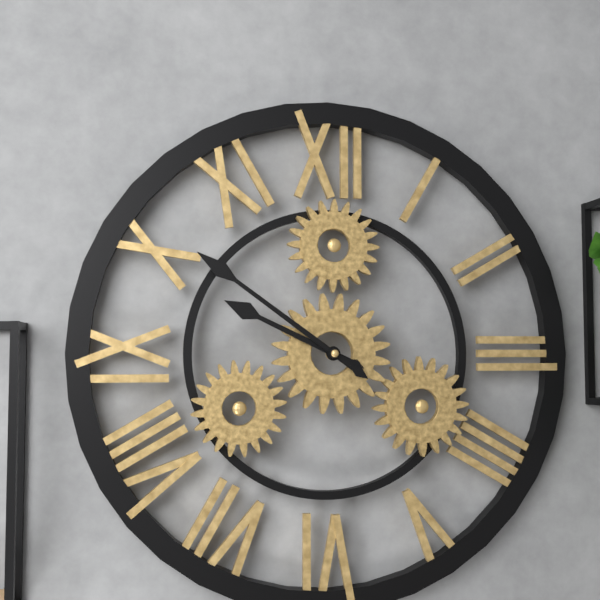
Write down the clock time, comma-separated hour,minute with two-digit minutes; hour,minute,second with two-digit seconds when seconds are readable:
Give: 9,51
